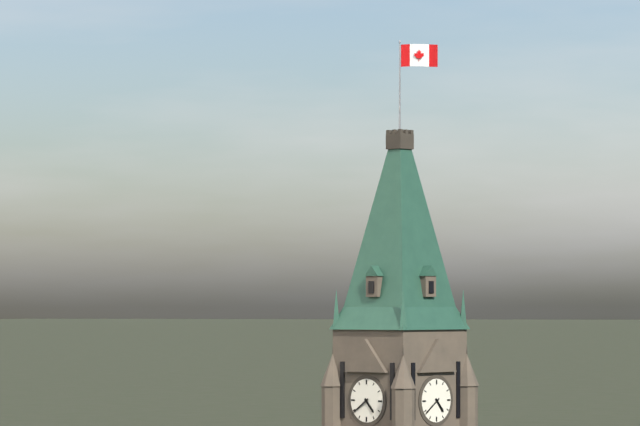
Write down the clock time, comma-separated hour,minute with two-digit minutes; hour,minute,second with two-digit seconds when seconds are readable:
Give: 4,39
